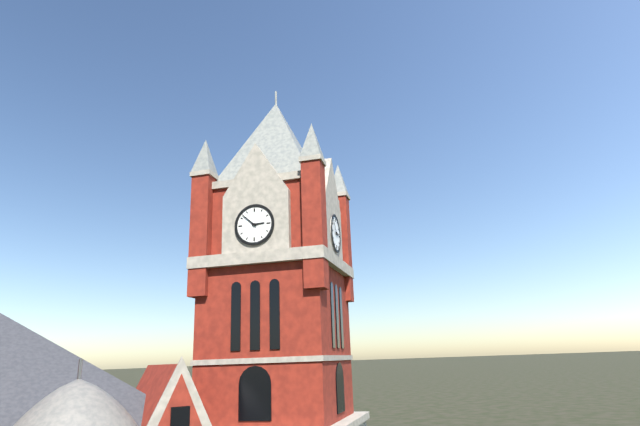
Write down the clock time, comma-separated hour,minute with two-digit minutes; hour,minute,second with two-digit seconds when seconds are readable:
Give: 2,52
